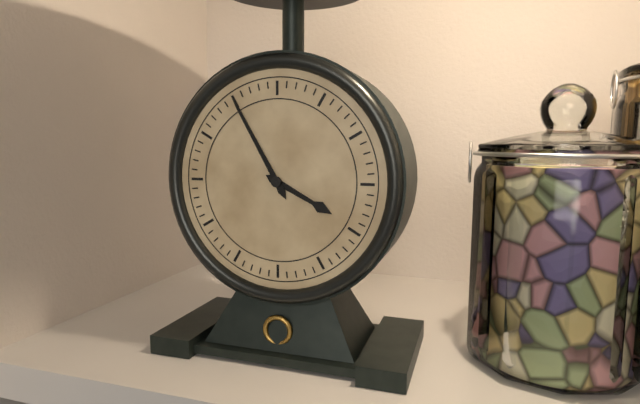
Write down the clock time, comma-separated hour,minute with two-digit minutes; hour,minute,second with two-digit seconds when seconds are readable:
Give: 3,55
